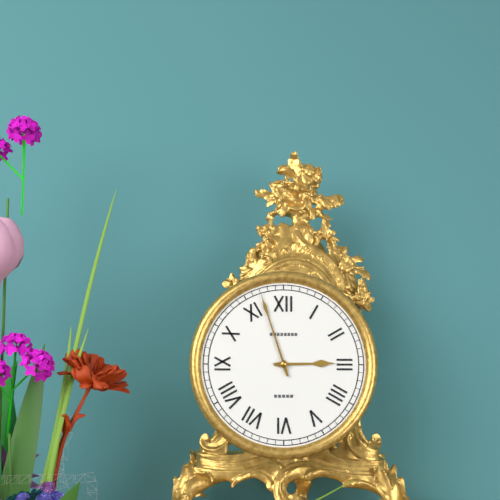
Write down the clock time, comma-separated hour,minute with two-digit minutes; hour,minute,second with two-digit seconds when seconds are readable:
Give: 2,57
